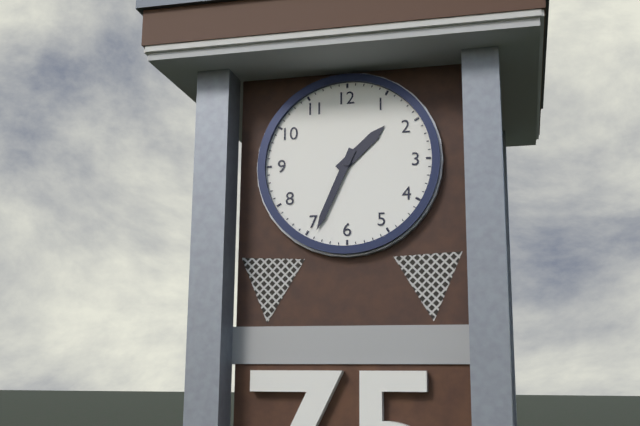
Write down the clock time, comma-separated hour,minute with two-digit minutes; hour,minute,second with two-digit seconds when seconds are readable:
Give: 1,34
